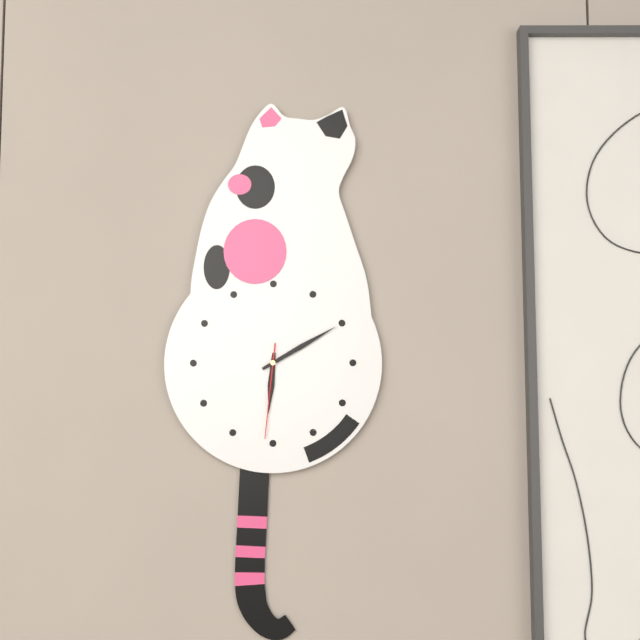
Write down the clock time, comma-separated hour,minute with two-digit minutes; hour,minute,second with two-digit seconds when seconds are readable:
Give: 6,10,31
